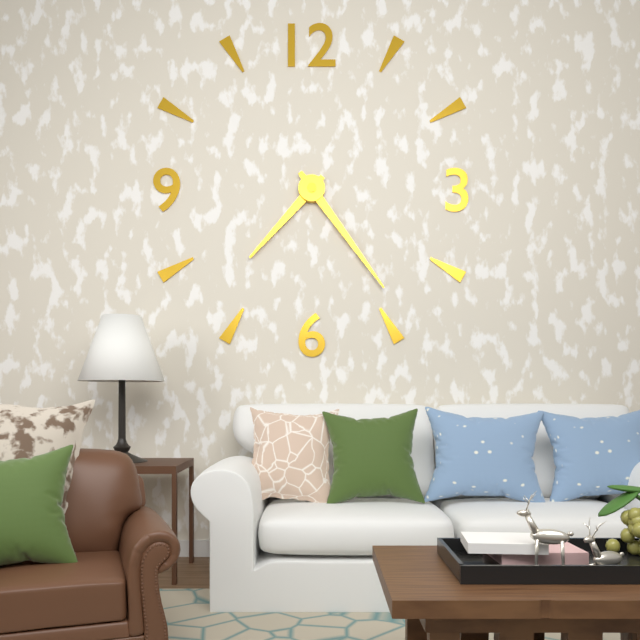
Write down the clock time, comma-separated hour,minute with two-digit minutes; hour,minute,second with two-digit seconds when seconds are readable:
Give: 7,24
